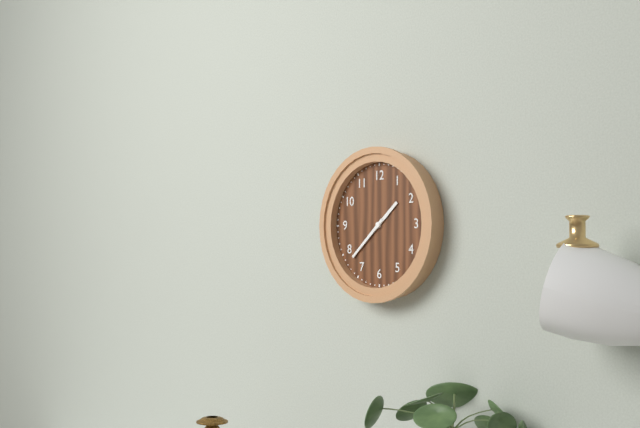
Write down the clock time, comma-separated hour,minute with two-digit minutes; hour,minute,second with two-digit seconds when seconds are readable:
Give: 1,38
